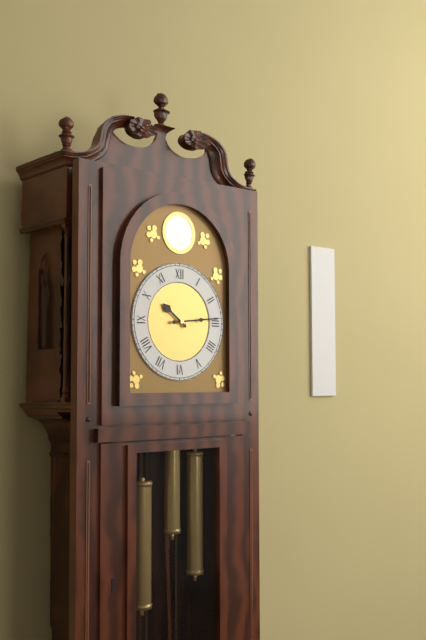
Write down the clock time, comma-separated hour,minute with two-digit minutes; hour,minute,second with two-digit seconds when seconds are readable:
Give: 10,14
